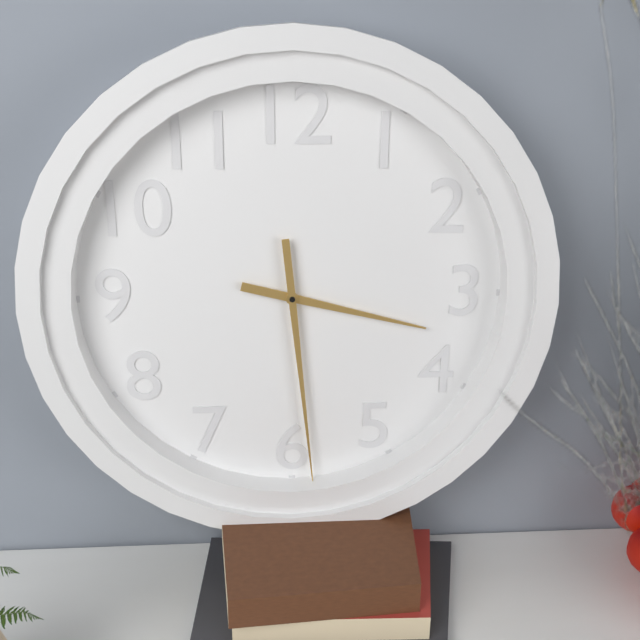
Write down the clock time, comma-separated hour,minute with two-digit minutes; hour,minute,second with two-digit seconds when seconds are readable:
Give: 3,29
